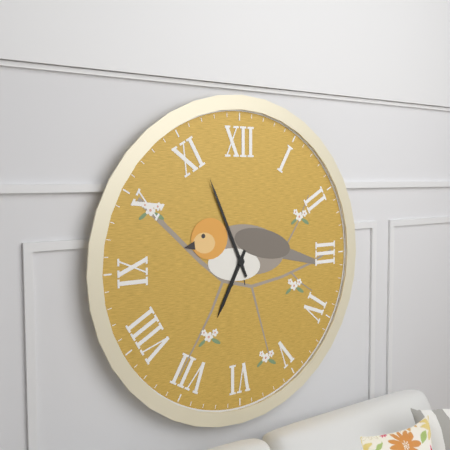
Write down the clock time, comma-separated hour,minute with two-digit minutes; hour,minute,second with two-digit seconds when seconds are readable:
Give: 6,56
